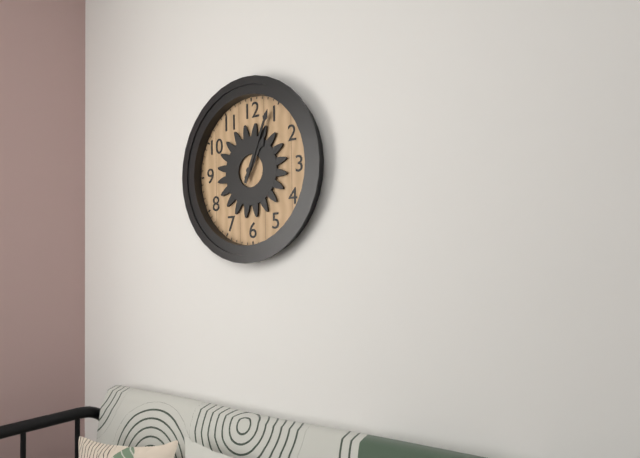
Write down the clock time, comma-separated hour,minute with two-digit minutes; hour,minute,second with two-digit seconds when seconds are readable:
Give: 1,04
